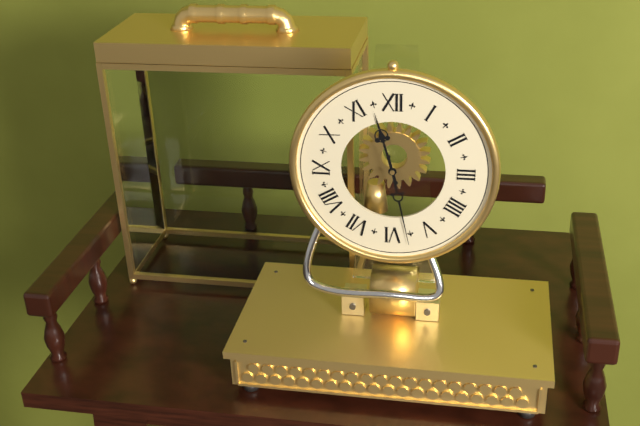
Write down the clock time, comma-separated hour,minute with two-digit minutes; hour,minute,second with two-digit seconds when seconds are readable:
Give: 11,28
